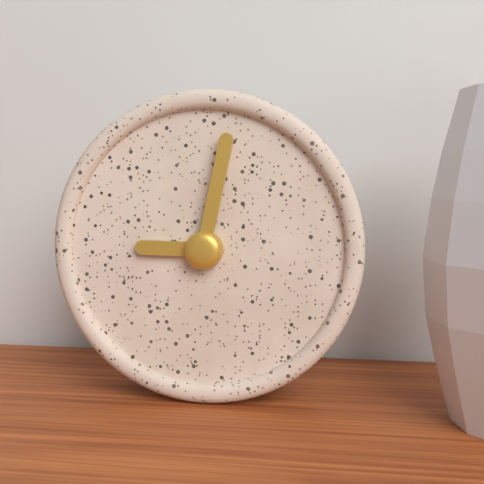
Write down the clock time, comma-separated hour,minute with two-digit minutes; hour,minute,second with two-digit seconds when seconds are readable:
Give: 9,02
